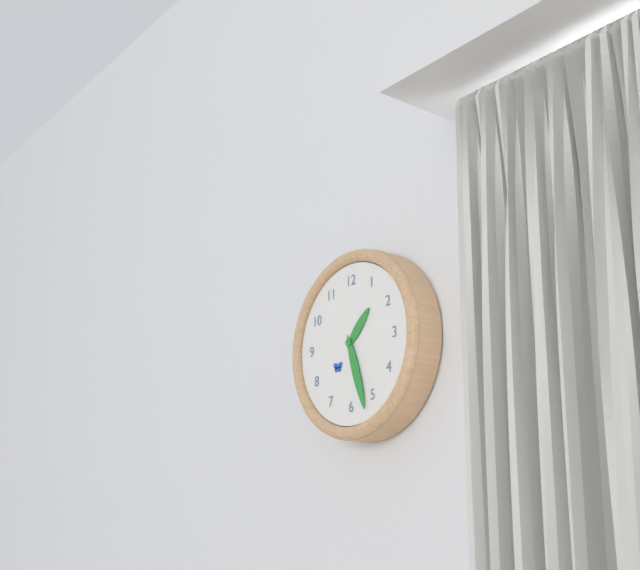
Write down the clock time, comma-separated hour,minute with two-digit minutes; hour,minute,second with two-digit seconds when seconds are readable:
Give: 1,27
